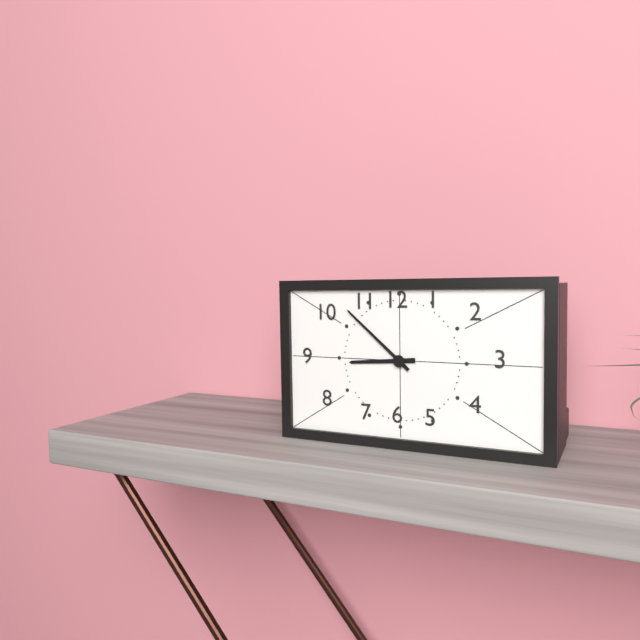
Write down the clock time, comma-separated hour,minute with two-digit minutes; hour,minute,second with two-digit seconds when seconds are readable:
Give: 8,52
